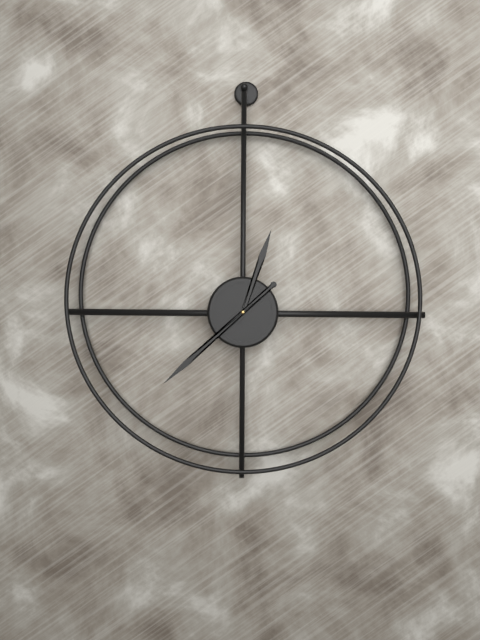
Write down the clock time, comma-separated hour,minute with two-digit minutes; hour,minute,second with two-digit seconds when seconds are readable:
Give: 12,38
